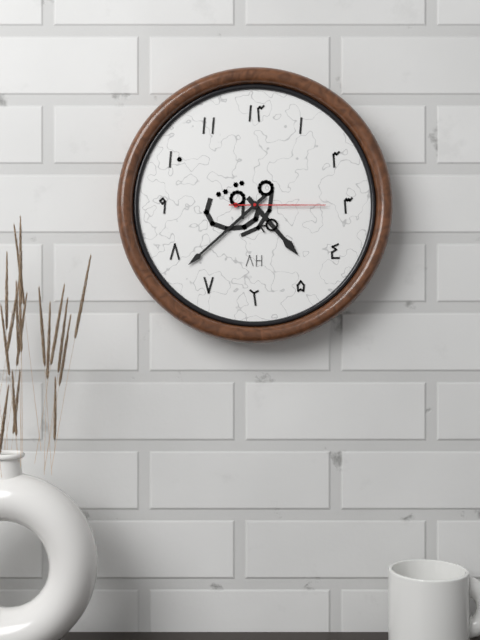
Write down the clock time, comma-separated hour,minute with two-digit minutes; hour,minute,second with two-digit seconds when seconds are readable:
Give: 4,38,15
